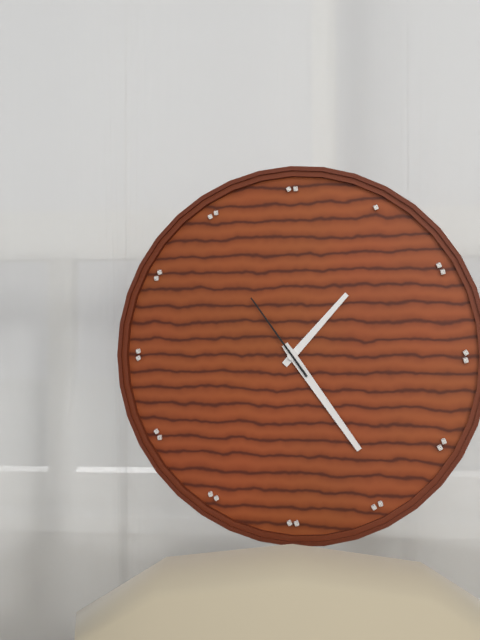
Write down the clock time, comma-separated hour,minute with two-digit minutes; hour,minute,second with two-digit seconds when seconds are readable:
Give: 1,24,54
